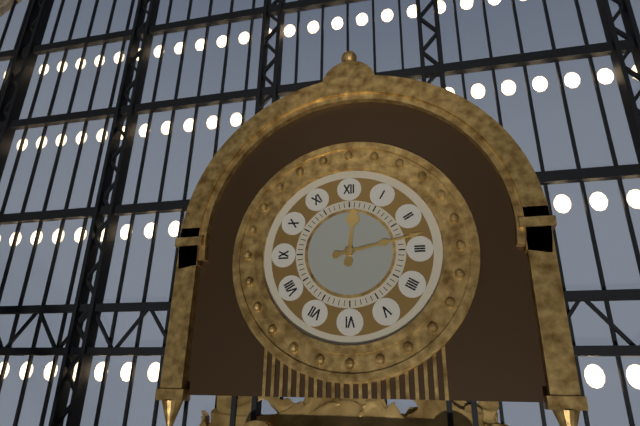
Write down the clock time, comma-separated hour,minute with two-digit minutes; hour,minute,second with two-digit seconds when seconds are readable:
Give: 12,13
